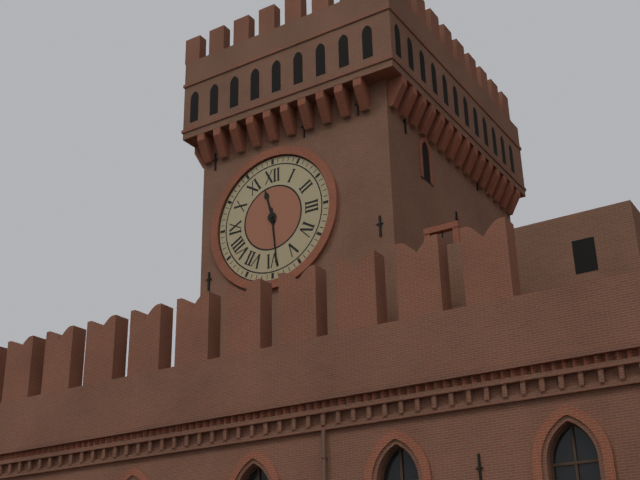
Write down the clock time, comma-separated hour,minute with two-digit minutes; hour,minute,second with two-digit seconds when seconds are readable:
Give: 11,29
